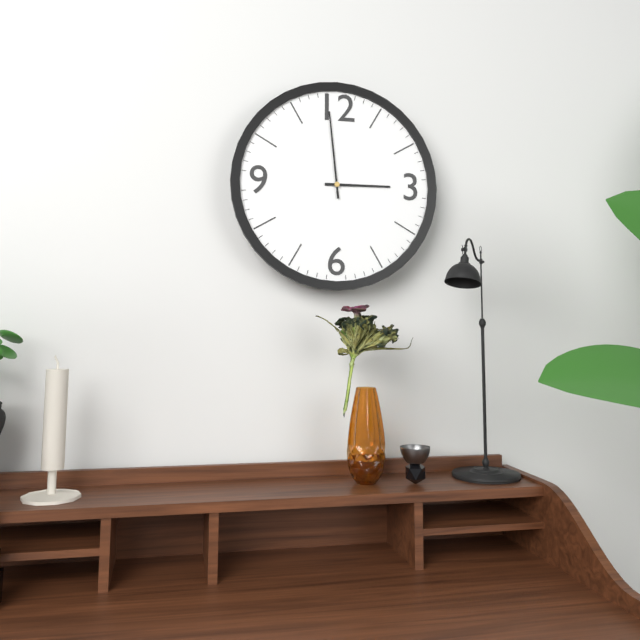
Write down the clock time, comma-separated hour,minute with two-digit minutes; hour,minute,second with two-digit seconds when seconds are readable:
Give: 2,59
